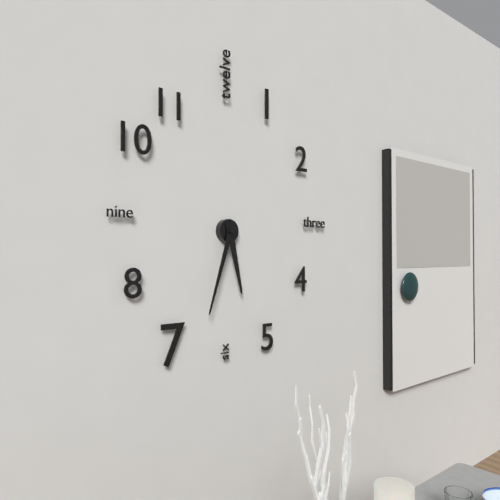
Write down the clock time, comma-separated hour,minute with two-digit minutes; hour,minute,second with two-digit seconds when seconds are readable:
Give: 5,33
